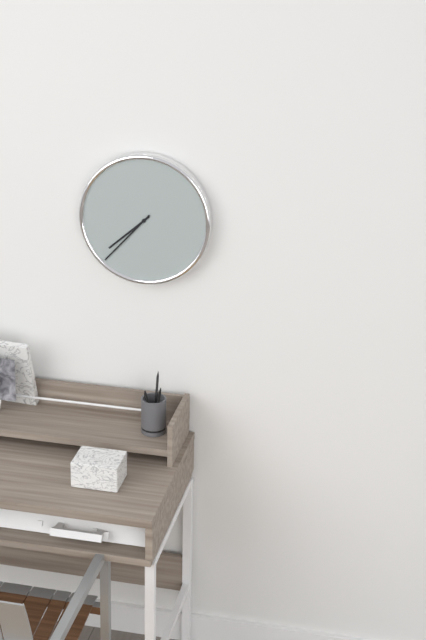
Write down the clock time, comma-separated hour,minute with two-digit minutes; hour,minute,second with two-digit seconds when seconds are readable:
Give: 7,37
